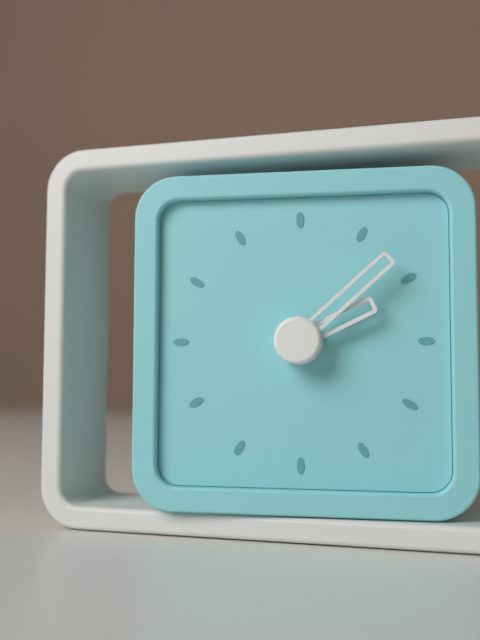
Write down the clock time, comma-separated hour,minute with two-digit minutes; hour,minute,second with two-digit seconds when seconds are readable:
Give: 2,08
